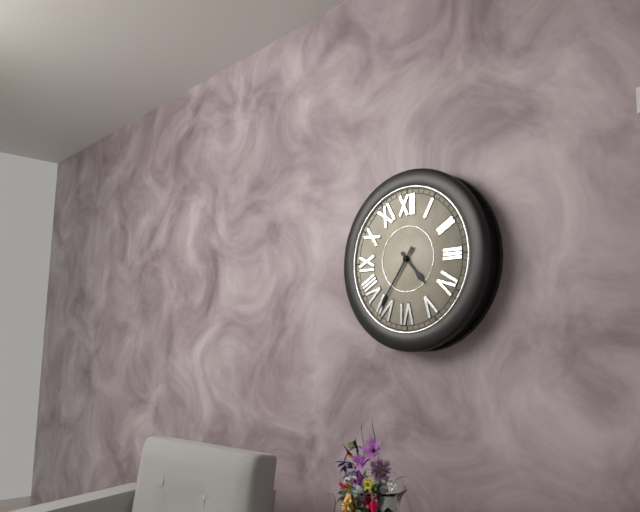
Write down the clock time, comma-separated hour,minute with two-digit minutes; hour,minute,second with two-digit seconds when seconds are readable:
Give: 4,36
